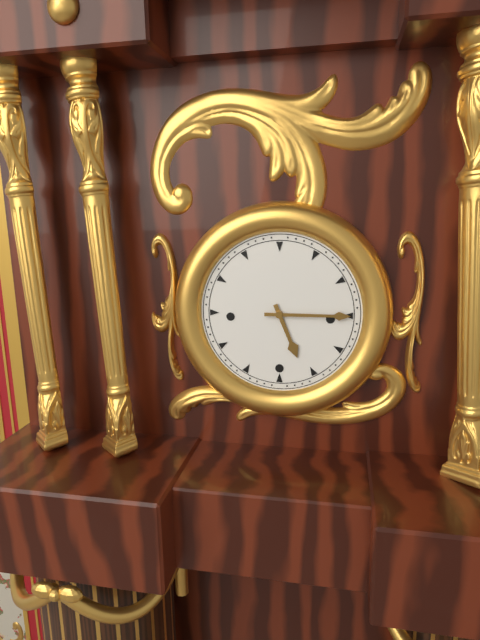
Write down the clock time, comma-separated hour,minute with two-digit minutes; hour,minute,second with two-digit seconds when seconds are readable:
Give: 5,15
